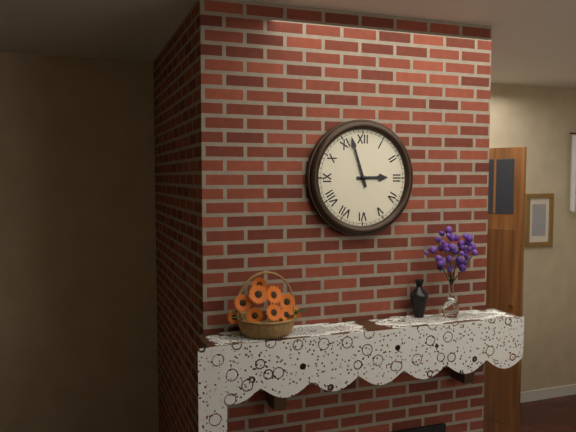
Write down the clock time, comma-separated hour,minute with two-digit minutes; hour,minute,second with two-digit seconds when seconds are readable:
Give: 2,57
